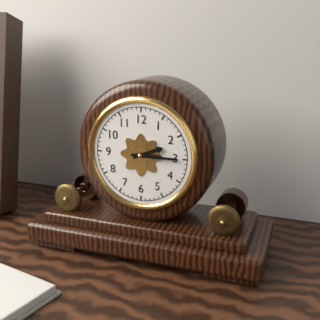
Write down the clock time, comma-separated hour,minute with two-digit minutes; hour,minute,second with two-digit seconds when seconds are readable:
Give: 2,15
